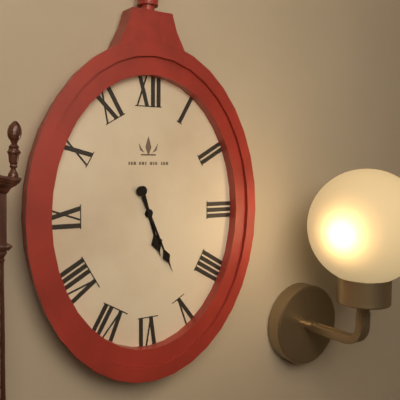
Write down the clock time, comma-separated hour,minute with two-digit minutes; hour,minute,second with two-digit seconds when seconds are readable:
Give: 5,26
